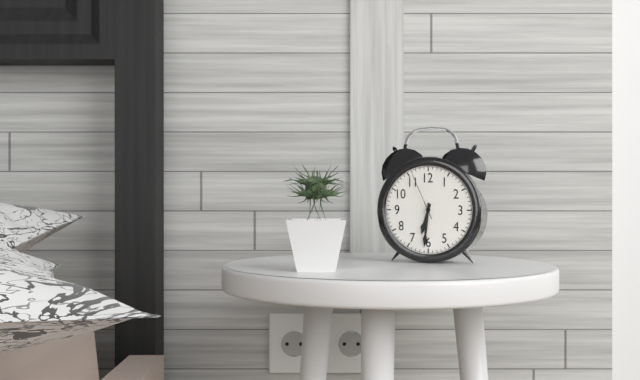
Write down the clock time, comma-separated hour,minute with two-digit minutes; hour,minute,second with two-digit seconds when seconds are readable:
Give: 6,31
